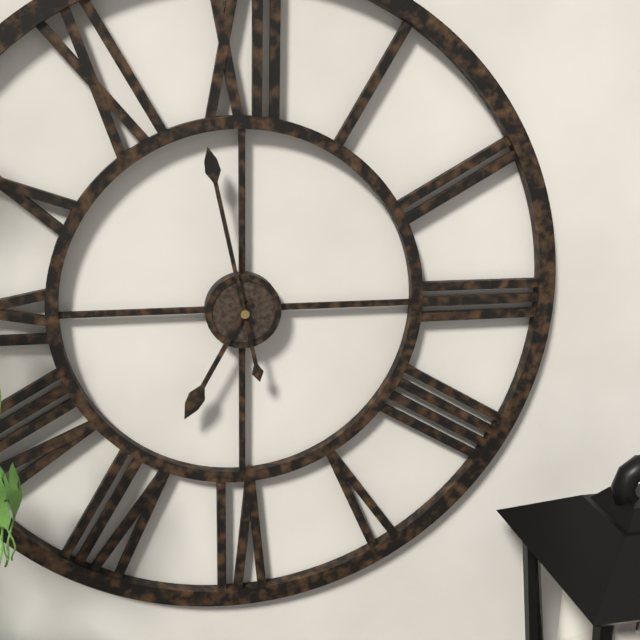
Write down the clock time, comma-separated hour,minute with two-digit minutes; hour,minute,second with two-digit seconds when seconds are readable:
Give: 6,58
